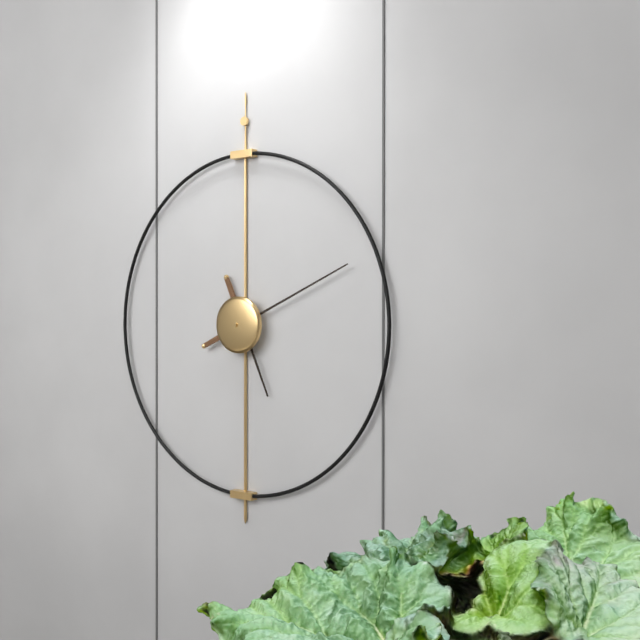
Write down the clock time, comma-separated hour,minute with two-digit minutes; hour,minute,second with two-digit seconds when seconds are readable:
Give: 5,11
